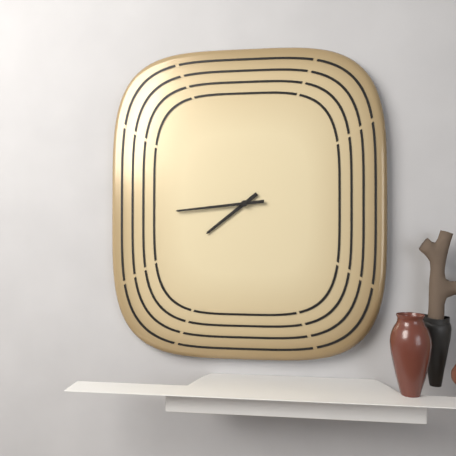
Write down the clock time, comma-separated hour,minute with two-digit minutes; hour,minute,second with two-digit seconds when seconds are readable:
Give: 7,44
